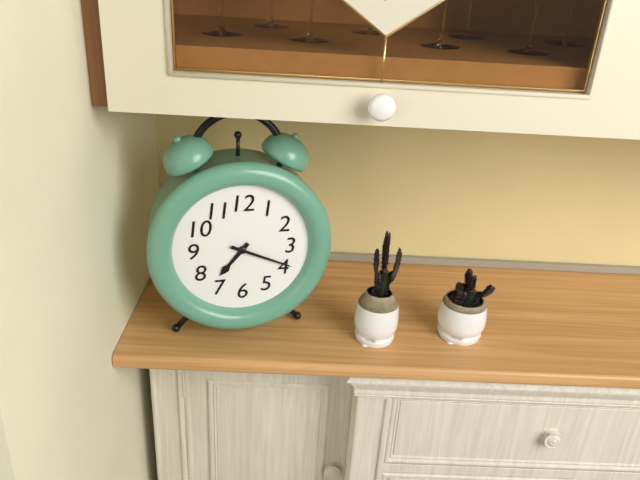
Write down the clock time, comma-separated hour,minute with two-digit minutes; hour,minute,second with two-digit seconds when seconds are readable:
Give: 7,19
